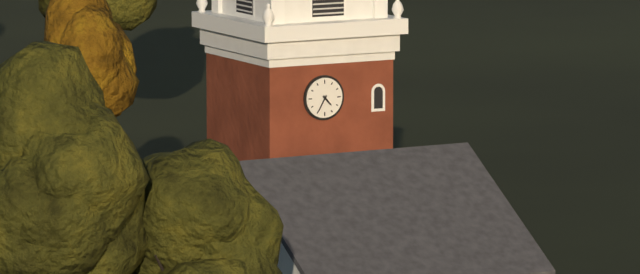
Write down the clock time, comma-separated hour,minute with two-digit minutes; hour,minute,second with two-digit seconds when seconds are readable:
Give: 4,35
